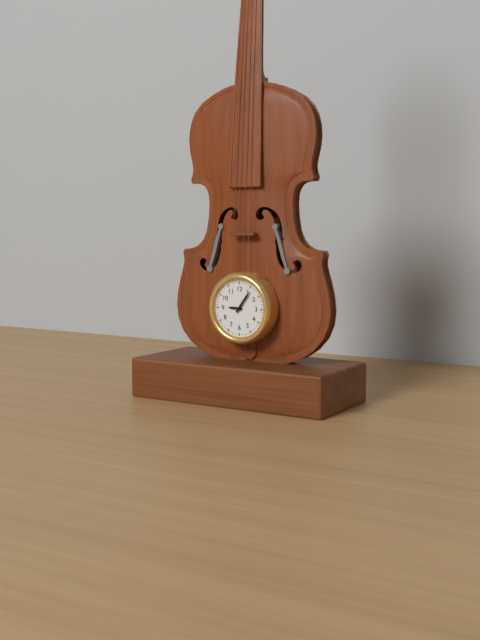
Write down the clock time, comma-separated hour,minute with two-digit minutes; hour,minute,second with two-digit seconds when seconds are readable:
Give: 9,06
